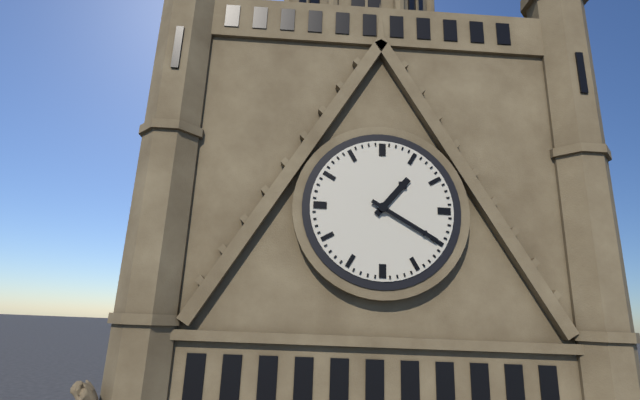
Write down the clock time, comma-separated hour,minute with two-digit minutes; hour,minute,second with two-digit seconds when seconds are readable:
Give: 1,20
